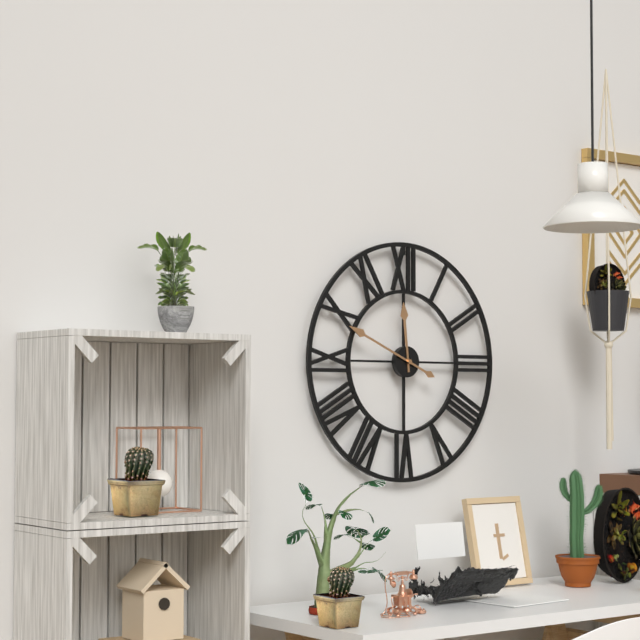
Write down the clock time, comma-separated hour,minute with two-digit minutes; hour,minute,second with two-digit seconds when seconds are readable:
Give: 11,49
